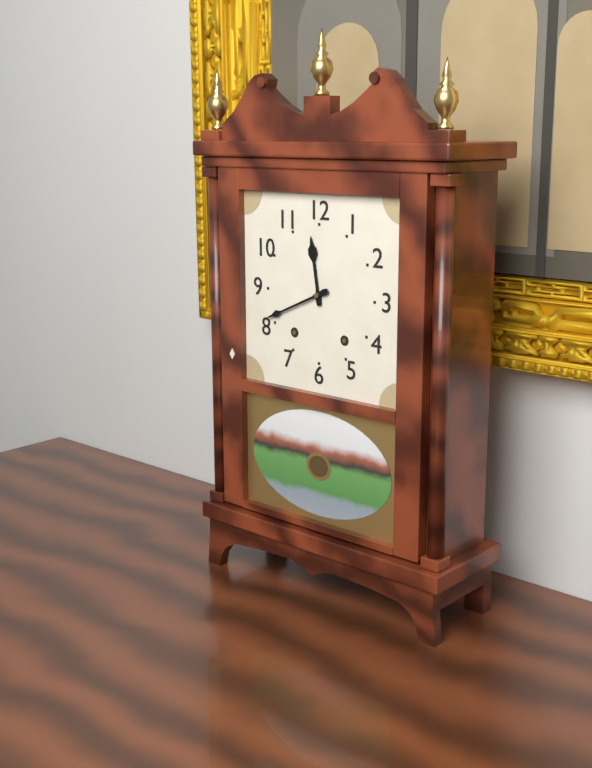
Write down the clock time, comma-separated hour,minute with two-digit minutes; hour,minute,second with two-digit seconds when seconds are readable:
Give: 11,41
